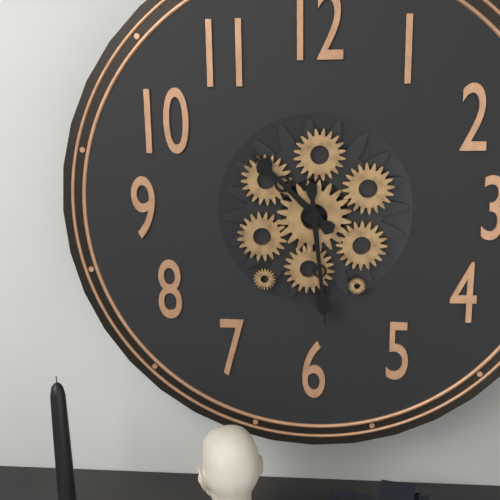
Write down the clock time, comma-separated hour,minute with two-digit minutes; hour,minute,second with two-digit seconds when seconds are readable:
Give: 10,29
